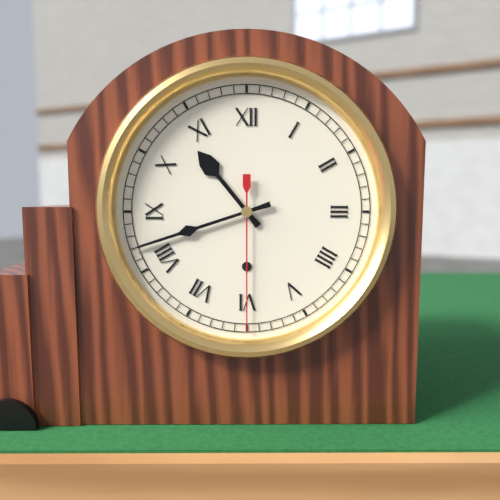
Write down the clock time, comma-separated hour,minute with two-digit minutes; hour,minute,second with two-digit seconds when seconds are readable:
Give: 10,42,30
